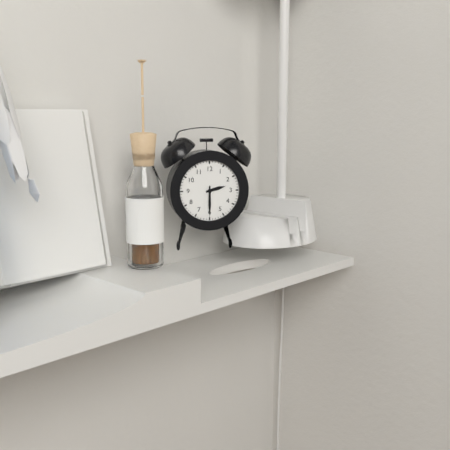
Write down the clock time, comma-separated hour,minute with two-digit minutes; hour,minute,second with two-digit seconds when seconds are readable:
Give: 2,30
